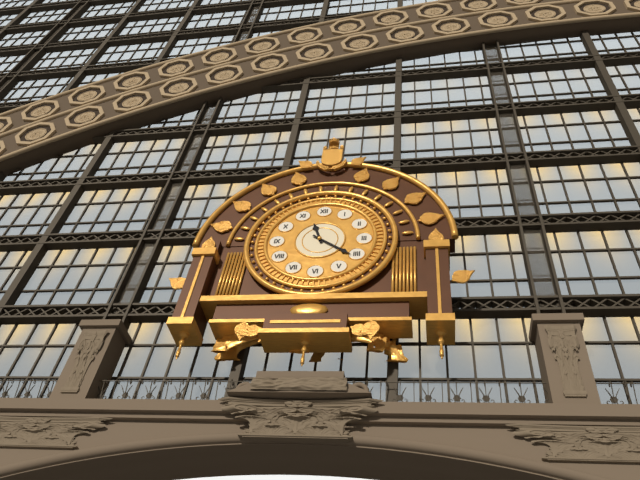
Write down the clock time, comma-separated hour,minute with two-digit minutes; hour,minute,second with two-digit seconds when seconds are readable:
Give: 11,21
